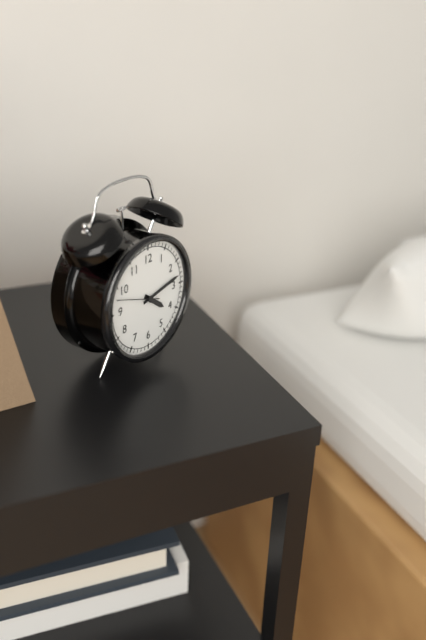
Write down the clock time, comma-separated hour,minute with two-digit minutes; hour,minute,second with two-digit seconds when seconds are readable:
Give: 4,13
